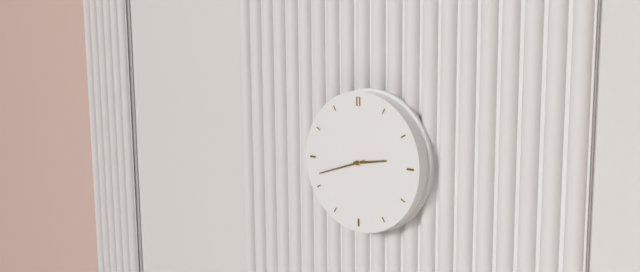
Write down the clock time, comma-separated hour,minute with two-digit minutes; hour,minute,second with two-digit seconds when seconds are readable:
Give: 2,42
